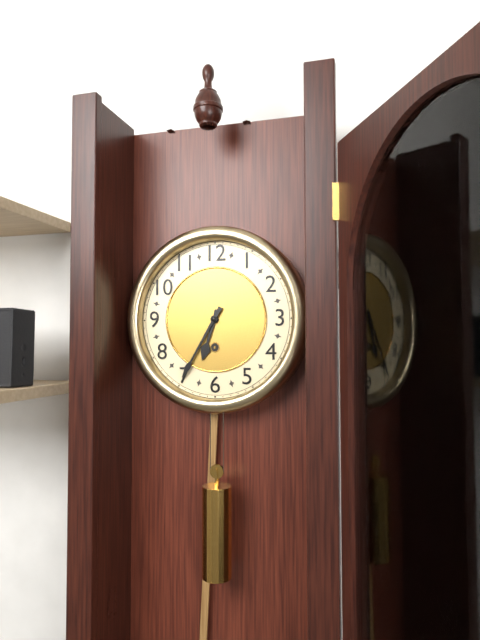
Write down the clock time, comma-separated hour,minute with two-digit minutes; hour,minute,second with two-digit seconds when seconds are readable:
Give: 6,35
